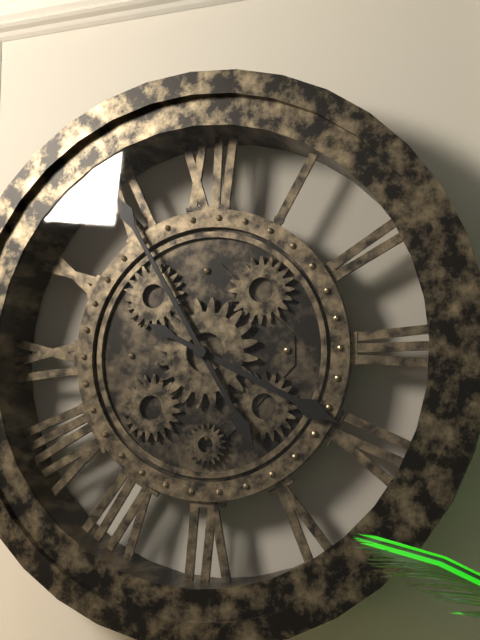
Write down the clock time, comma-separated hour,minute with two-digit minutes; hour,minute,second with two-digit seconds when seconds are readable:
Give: 3,55
